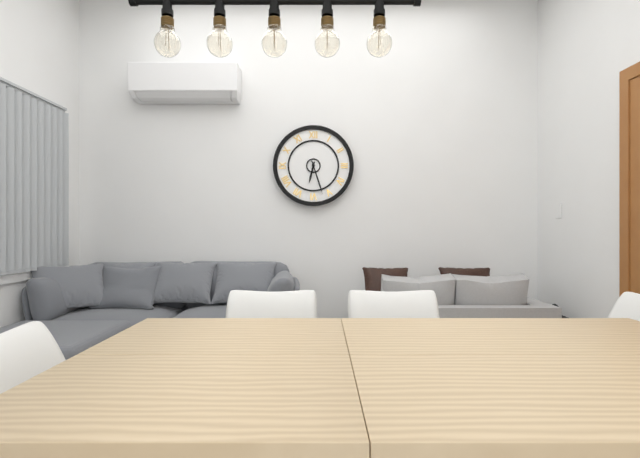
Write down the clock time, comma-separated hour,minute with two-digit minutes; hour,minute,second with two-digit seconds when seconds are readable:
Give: 6,27
